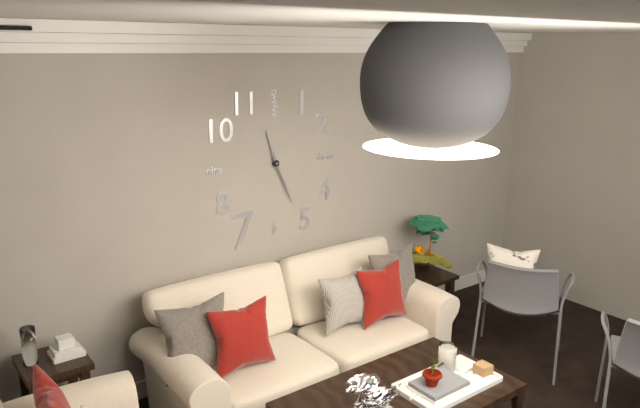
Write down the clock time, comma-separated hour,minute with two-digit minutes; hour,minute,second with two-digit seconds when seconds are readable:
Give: 11,26
